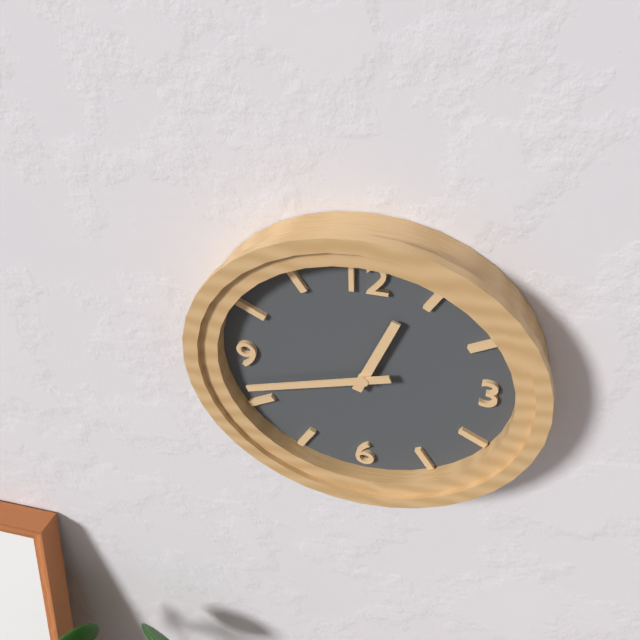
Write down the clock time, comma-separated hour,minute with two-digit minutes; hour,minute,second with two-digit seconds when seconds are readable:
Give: 12,42
